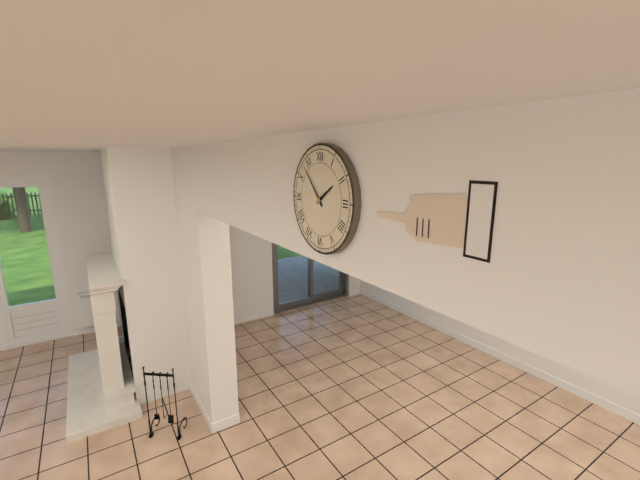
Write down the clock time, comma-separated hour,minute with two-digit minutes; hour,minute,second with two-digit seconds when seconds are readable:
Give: 1,53
